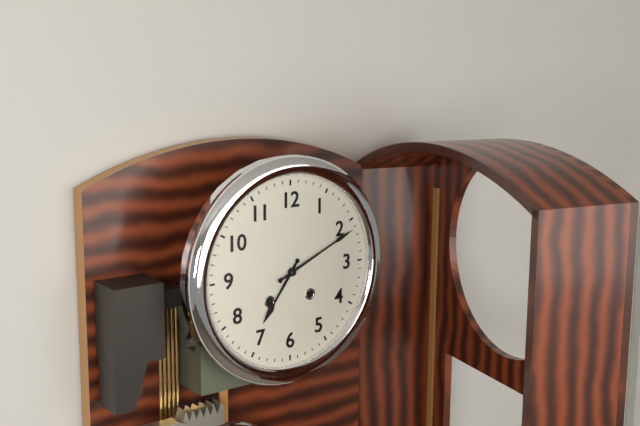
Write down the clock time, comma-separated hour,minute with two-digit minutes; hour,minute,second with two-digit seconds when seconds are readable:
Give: 7,11
